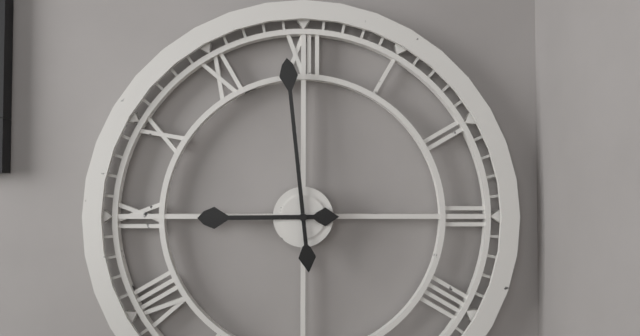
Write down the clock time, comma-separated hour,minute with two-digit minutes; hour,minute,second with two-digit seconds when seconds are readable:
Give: 8,59
